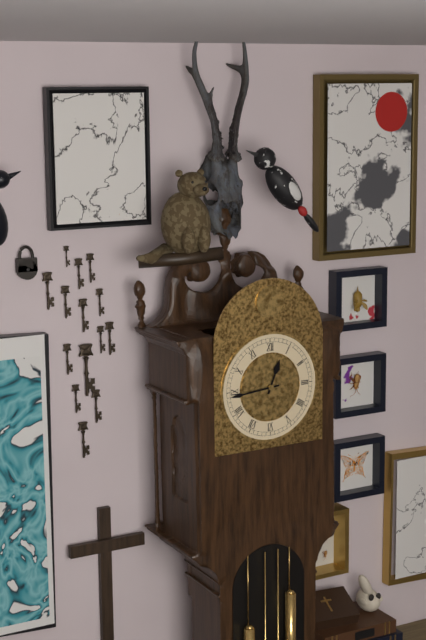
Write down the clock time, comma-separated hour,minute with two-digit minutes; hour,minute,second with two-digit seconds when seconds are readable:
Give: 12,44
